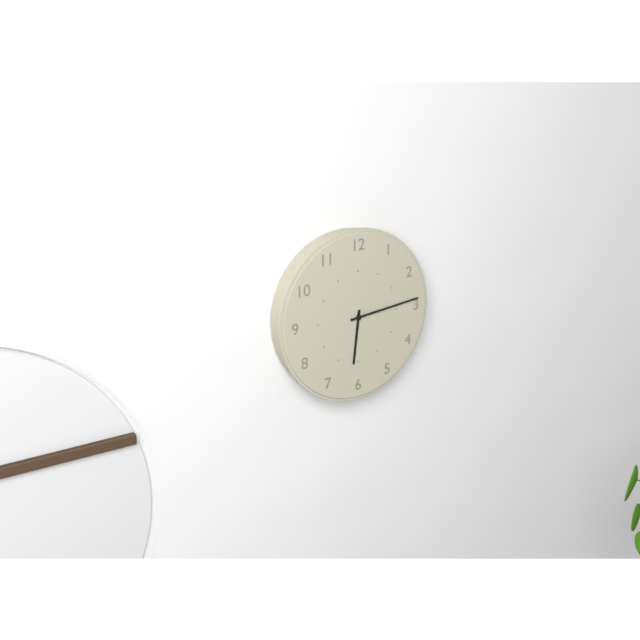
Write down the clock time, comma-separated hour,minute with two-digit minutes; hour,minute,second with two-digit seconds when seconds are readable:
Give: 6,14
